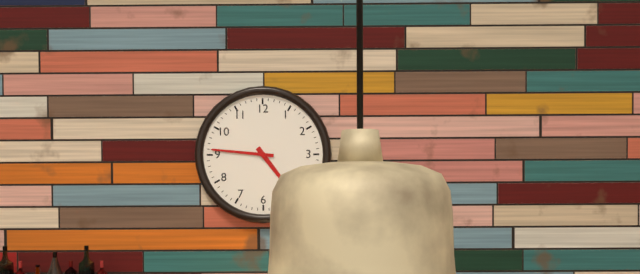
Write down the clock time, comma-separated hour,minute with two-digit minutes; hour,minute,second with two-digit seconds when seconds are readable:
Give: 4,46
